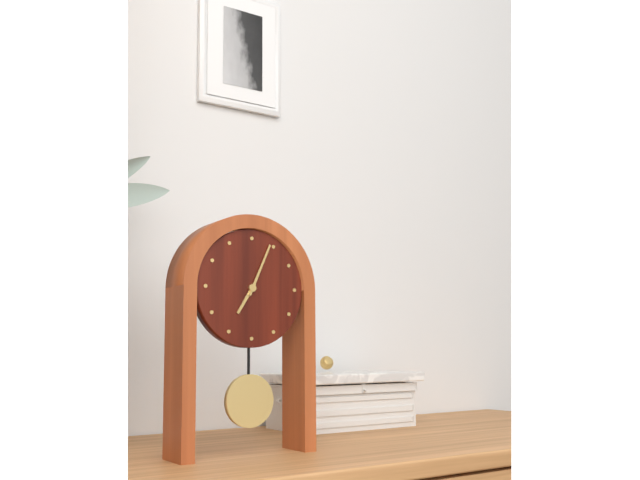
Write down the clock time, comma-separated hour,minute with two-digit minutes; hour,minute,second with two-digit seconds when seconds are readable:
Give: 7,04
